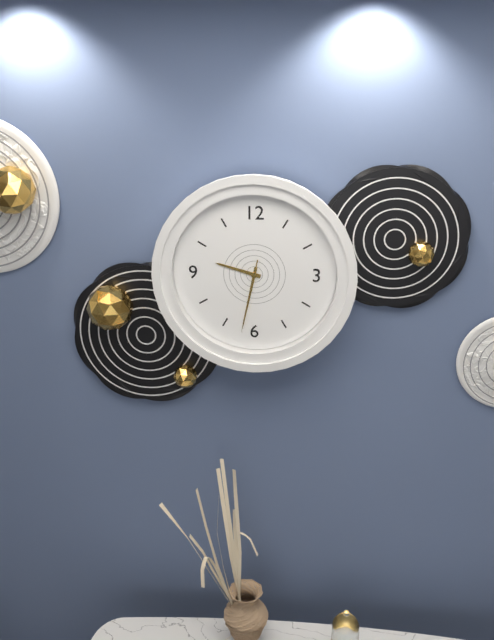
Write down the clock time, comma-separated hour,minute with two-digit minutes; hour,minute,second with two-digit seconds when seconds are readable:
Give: 9,32,32
